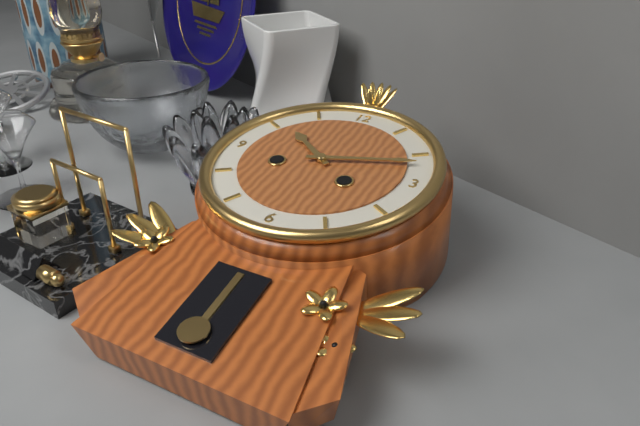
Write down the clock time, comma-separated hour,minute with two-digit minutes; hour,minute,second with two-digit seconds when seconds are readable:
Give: 10,12
